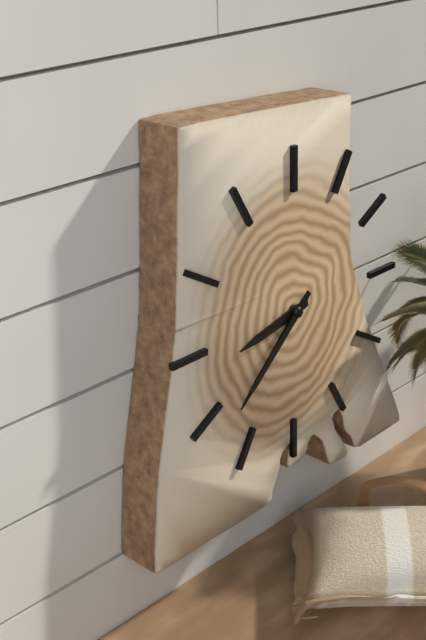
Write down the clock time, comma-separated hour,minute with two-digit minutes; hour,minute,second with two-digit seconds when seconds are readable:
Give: 8,38
